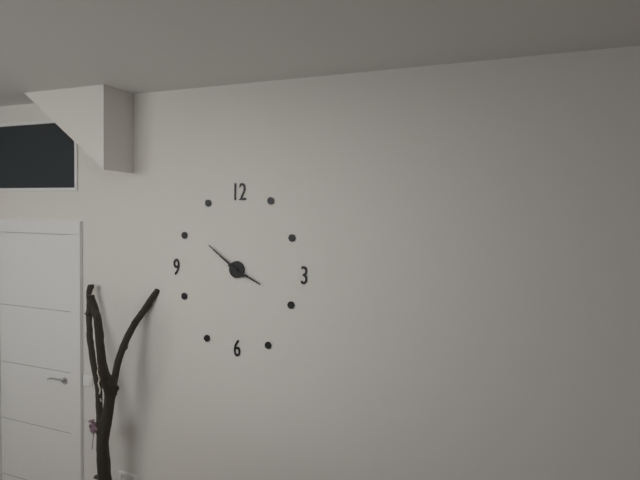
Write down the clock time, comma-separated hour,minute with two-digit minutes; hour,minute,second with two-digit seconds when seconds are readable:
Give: 3,51
